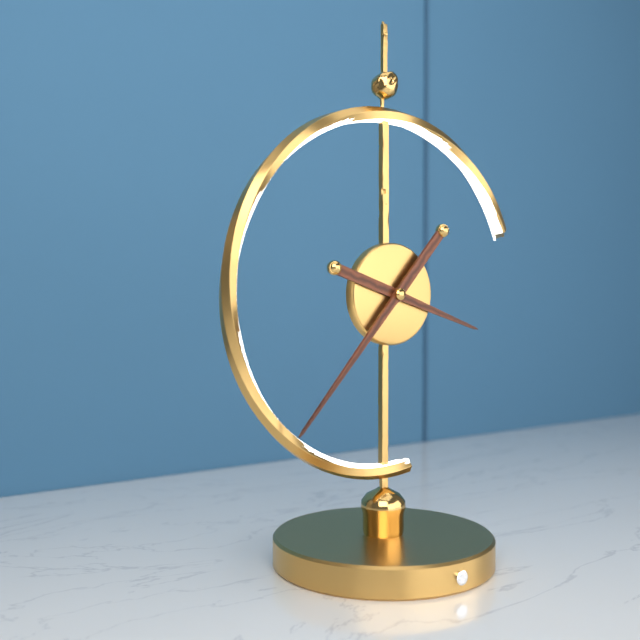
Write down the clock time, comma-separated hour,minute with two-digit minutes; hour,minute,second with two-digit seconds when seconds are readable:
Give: 3,37
